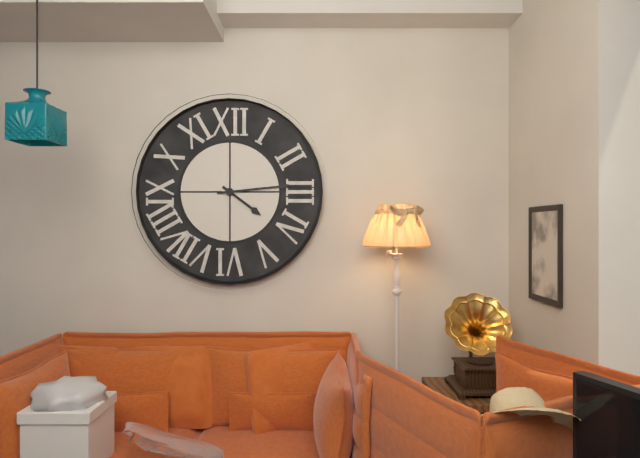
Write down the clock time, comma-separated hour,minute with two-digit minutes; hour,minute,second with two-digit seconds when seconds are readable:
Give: 4,14
